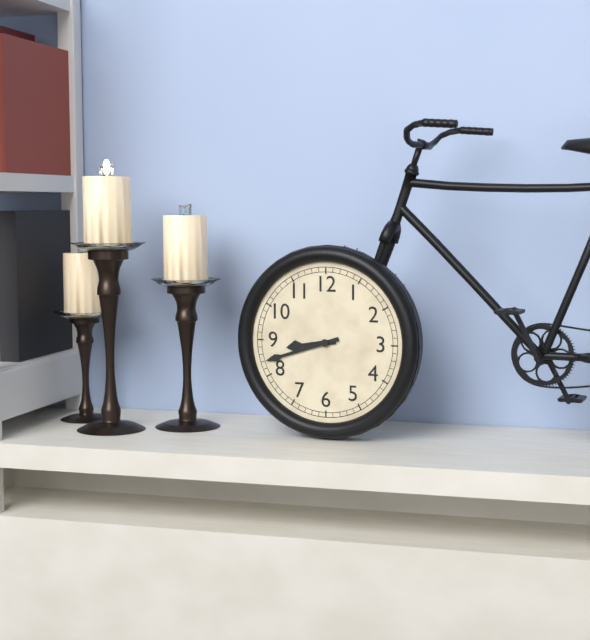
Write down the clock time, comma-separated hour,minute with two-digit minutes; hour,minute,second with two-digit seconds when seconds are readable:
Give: 8,42
